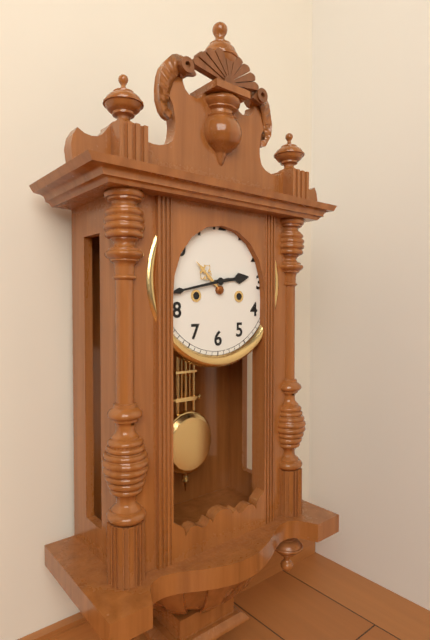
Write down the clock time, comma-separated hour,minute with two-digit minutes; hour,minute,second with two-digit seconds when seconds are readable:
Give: 2,43
